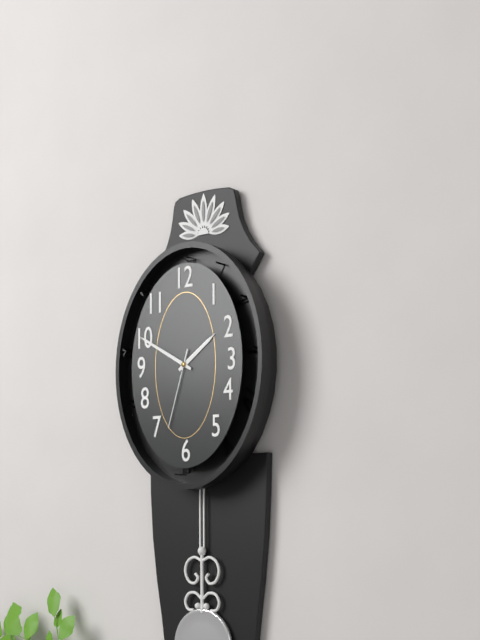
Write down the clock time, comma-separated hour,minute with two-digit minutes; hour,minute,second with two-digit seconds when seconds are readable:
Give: 1,50,33
